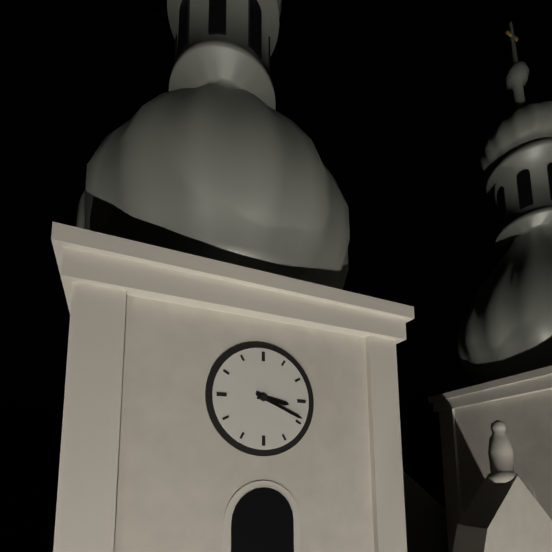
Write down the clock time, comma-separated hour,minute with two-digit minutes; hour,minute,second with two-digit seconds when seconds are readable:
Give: 3,19
